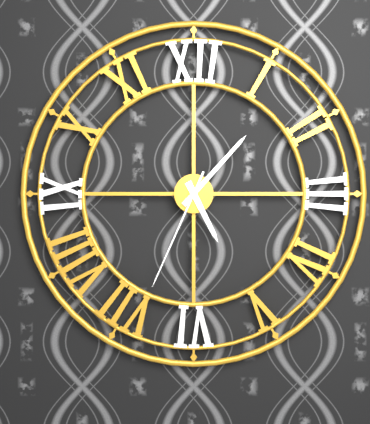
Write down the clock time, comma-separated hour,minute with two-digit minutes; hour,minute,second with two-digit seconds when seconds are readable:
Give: 5,07,34
